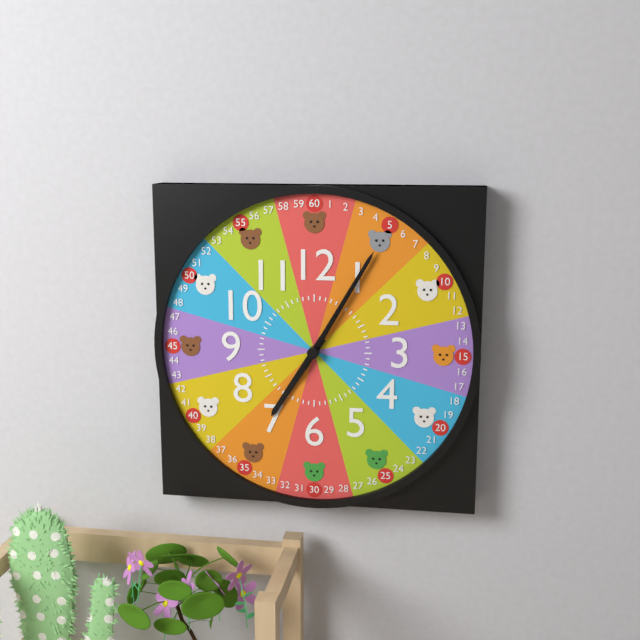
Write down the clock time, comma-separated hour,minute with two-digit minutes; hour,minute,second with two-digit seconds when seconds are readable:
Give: 7,05,05
